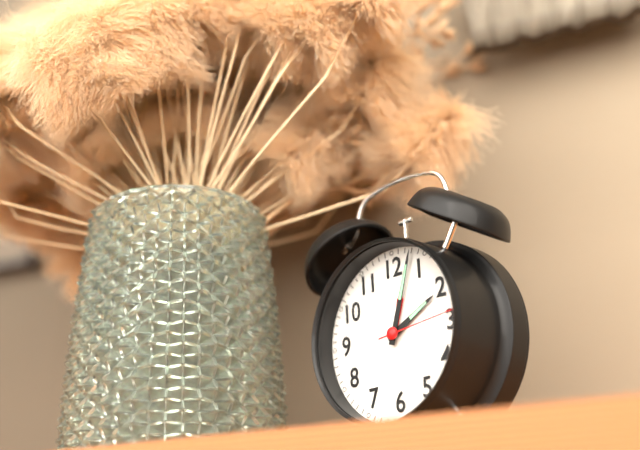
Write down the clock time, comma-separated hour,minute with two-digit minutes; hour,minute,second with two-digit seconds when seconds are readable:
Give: 2,03,14
